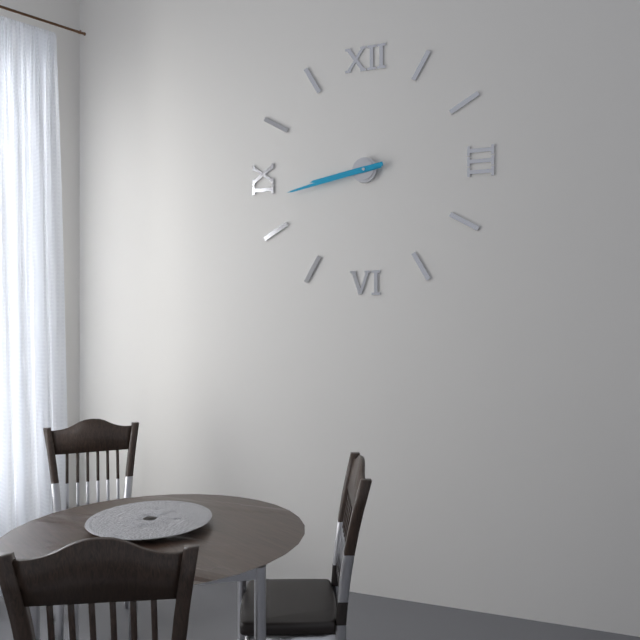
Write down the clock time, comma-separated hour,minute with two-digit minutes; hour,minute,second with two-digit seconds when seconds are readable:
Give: 8,43
